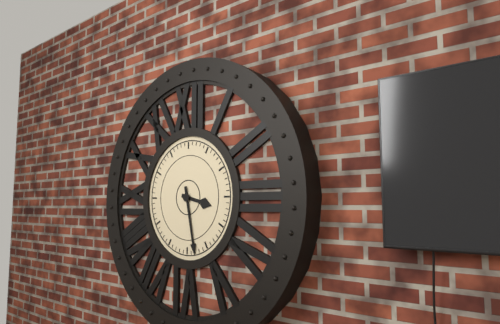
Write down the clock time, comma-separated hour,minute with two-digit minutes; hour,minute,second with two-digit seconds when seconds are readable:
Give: 3,28
